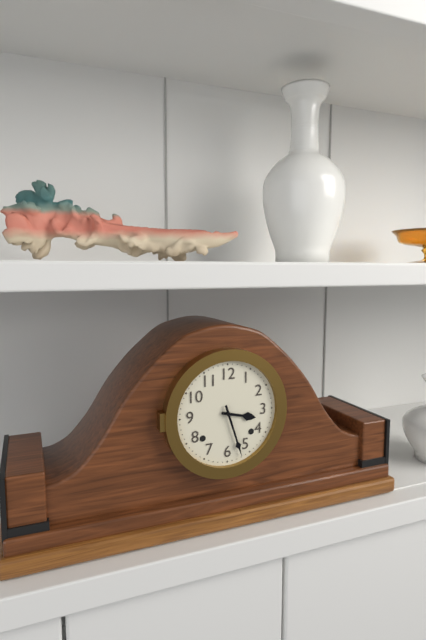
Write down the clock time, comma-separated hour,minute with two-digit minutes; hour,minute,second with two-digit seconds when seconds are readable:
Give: 3,27
